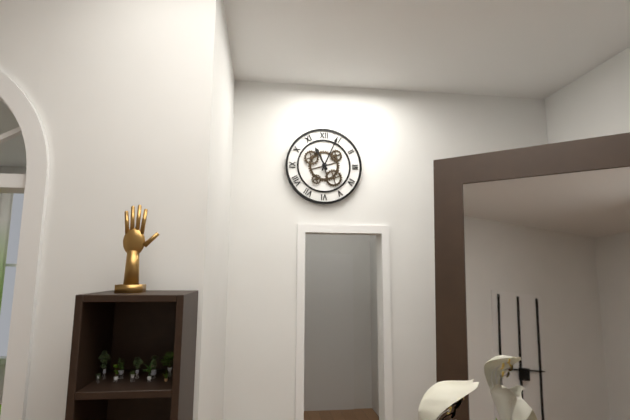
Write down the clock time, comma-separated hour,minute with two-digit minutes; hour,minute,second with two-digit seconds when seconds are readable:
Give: 11,04
